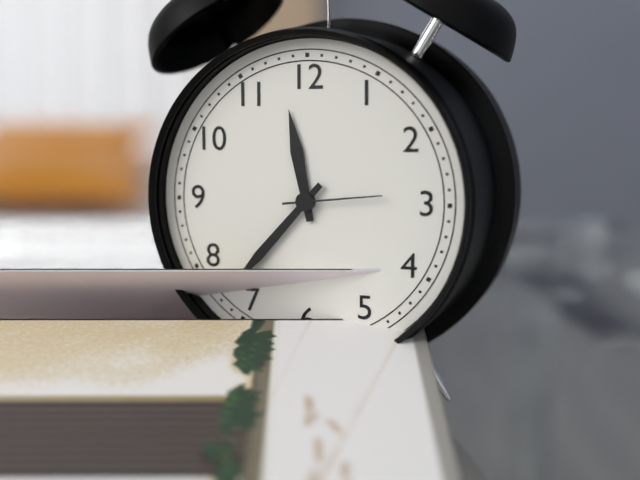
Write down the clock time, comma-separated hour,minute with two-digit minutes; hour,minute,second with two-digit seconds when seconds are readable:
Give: 11,37,14
